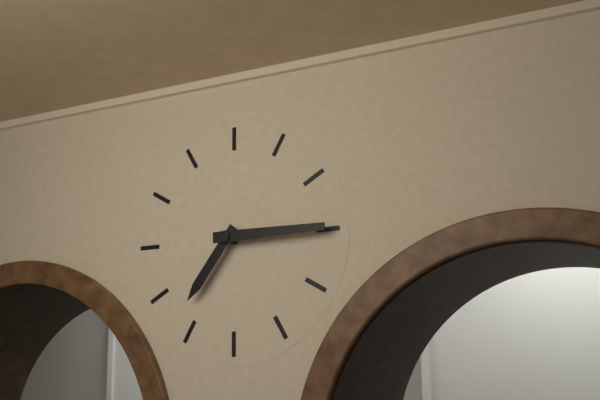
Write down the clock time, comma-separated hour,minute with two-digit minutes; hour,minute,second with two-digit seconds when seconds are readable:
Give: 7,15
